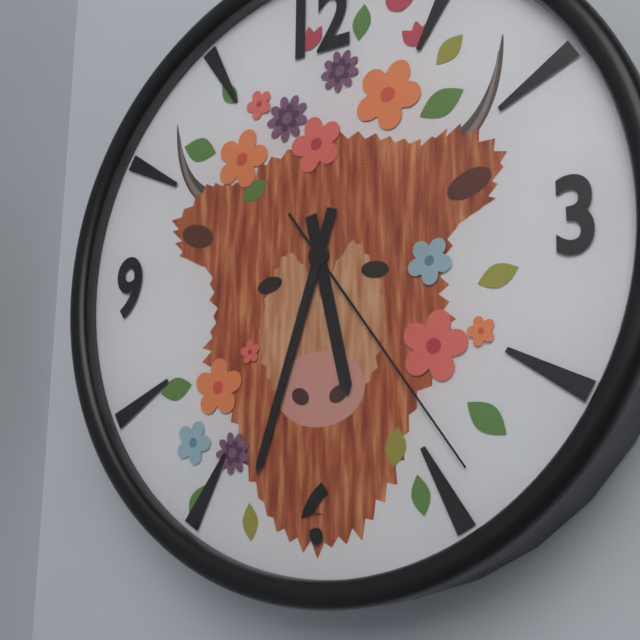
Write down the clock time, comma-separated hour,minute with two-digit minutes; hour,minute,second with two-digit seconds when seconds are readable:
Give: 5,33,24
